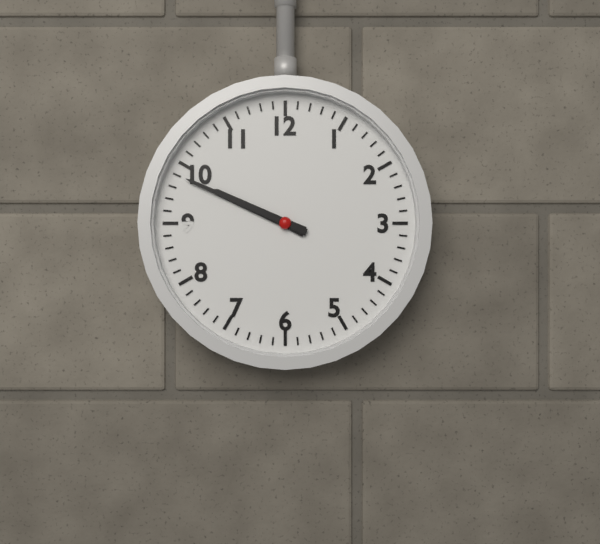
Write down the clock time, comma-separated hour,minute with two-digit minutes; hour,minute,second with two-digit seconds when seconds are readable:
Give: 9,49
